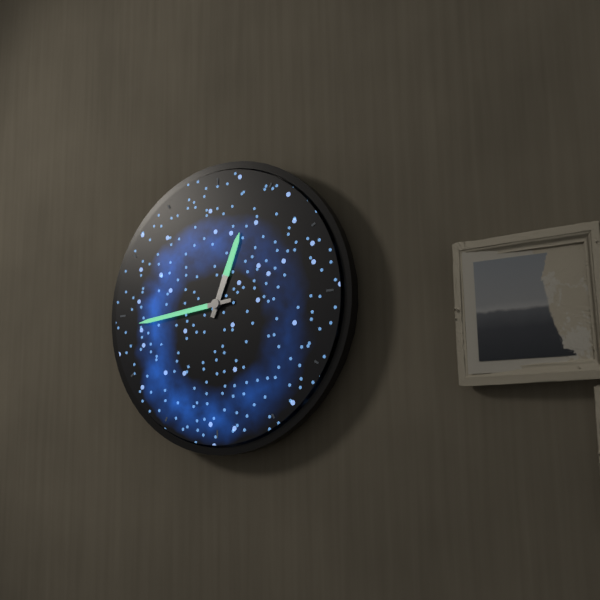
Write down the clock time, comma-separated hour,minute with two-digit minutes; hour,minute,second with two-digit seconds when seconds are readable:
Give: 12,44
